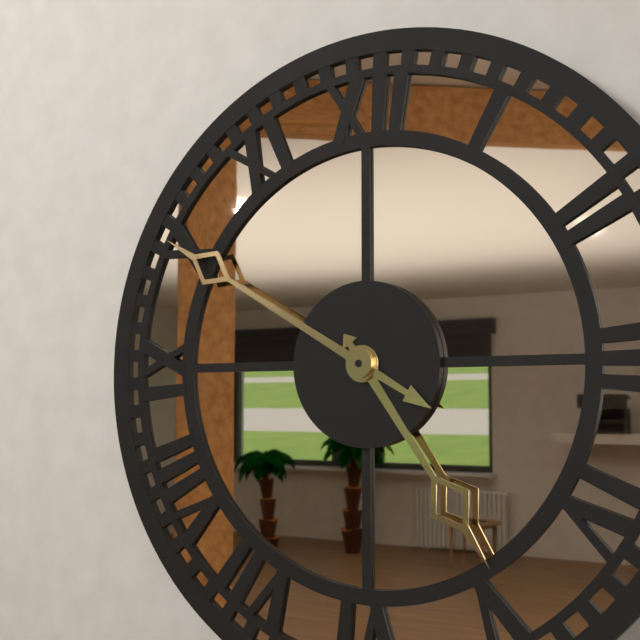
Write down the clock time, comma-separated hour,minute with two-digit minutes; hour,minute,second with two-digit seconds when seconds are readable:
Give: 4,50
